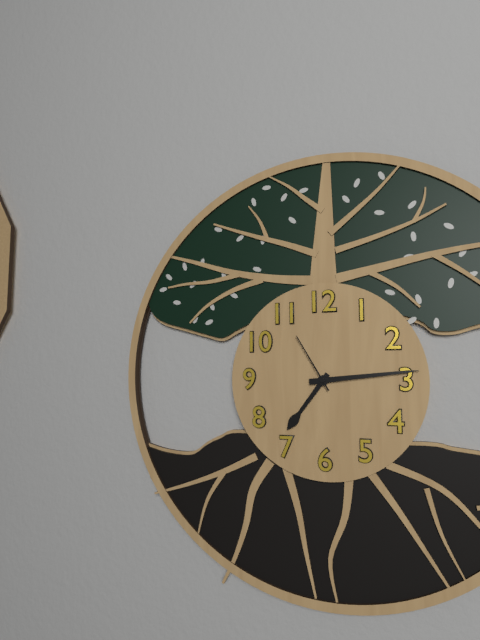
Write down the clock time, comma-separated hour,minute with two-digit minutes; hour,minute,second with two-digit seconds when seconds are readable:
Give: 7,14,55
